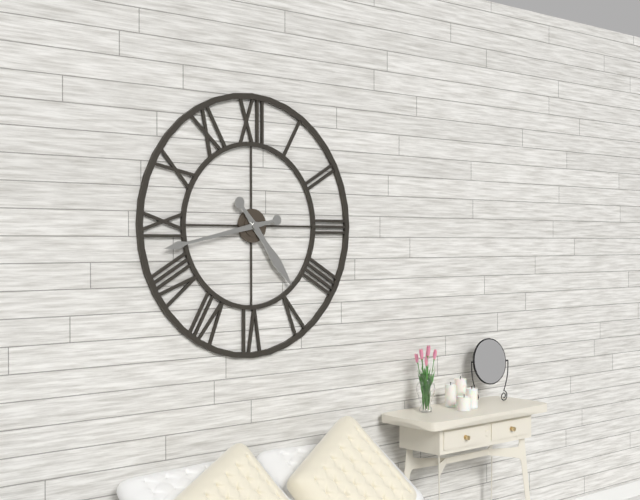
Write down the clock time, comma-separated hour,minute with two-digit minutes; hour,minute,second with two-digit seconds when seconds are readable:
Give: 4,43
